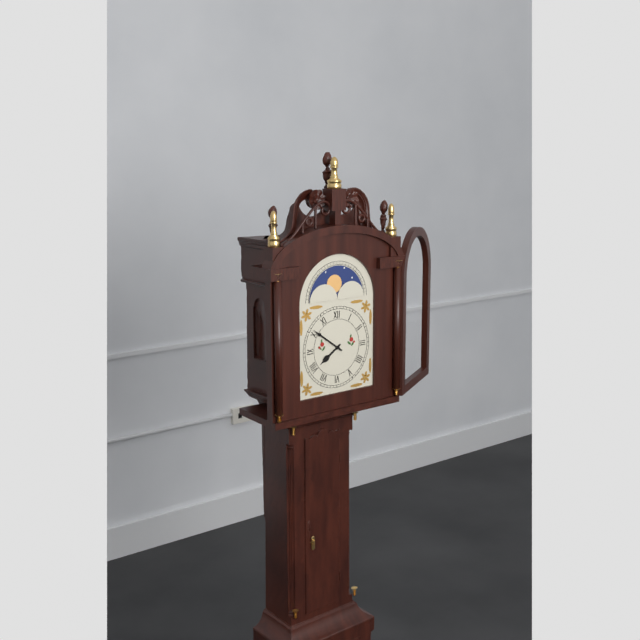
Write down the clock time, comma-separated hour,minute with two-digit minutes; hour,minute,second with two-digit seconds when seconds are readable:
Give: 7,51
